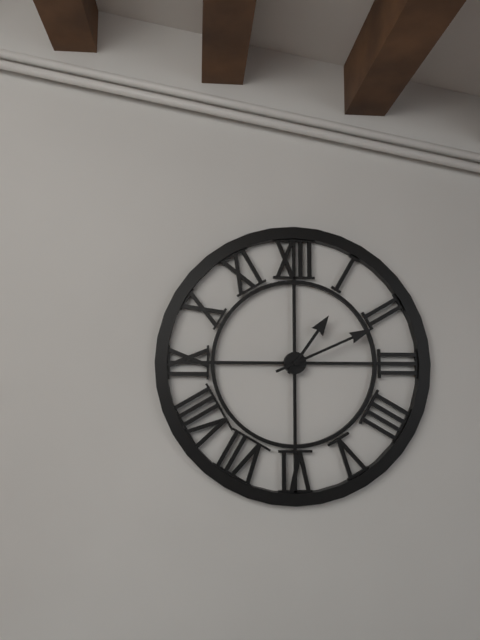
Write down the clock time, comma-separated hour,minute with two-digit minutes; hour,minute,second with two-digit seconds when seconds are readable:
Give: 1,11
